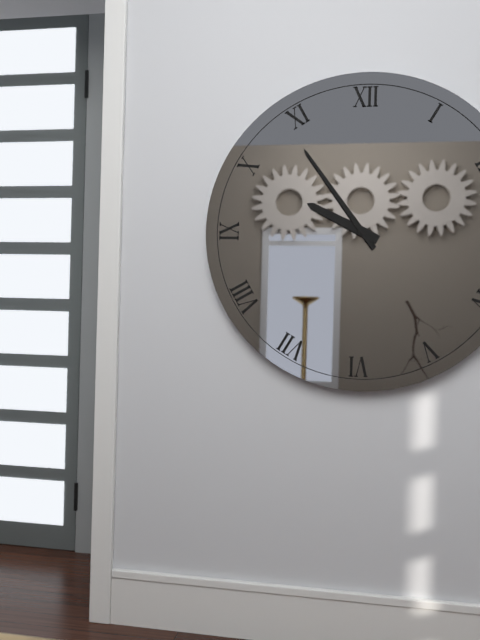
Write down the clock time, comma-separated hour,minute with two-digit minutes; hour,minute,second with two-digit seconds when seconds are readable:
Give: 9,54
